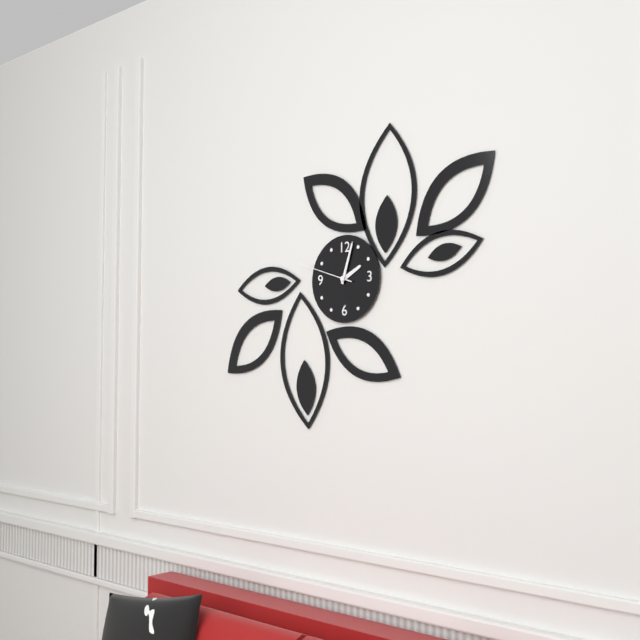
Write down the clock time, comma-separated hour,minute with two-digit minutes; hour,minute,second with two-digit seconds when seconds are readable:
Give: 2,03,48
